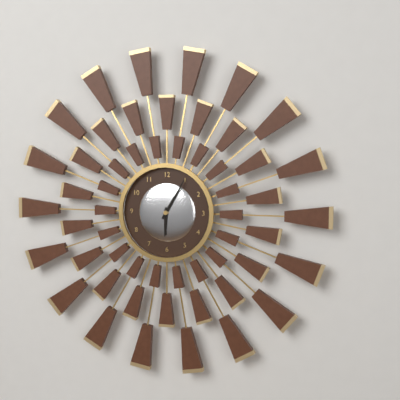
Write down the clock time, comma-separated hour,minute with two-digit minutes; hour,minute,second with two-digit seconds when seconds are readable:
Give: 6,05
